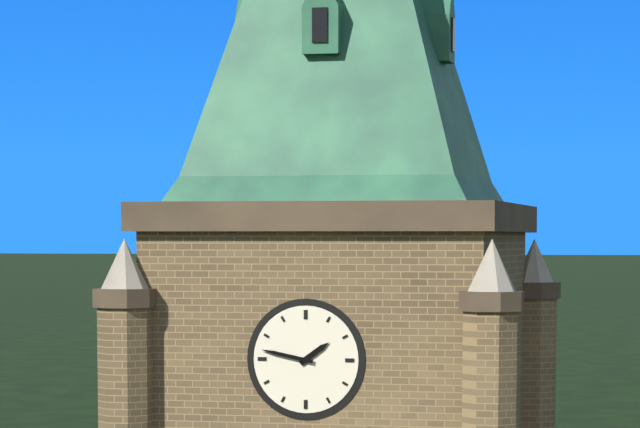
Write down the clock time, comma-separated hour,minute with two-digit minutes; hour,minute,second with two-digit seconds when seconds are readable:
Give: 1,47
